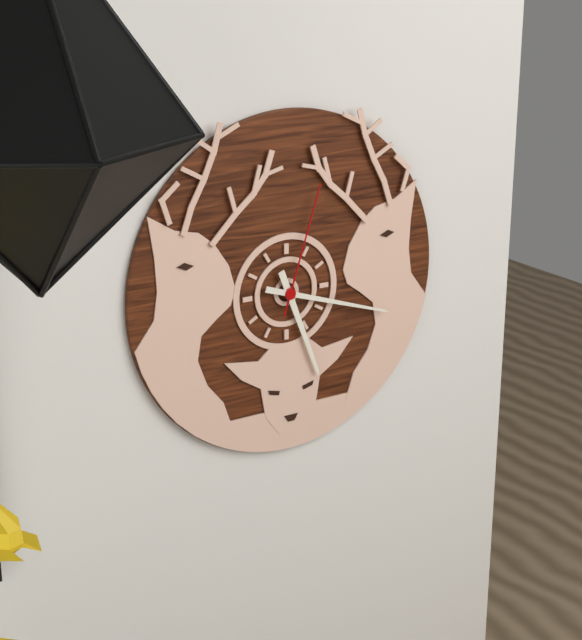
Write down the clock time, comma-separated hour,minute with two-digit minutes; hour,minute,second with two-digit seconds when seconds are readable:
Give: 5,18,03
